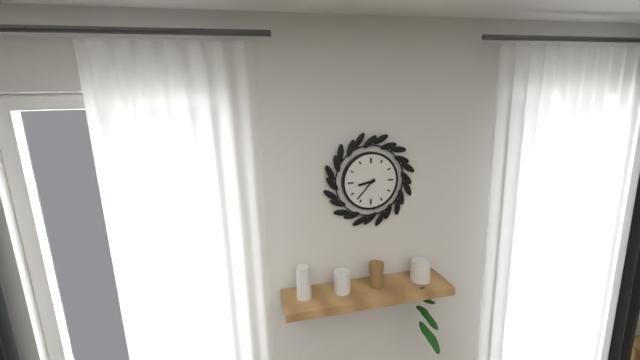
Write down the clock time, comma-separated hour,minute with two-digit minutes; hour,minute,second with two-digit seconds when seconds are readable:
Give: 8,37
